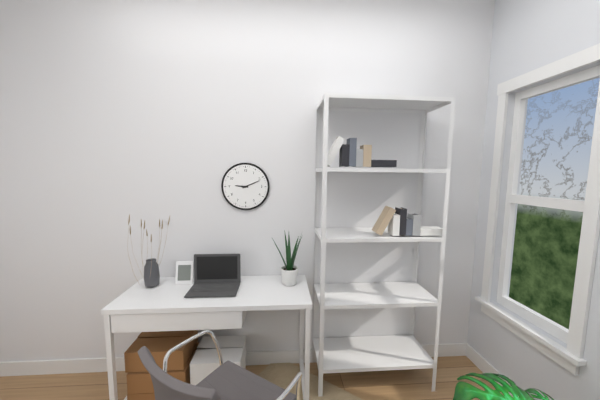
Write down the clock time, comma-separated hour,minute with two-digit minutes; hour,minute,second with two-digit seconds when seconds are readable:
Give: 9,11
